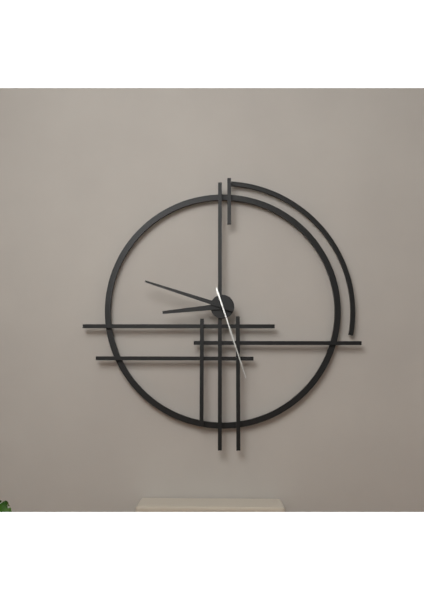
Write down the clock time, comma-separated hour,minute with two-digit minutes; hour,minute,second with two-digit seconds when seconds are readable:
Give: 8,48,27
